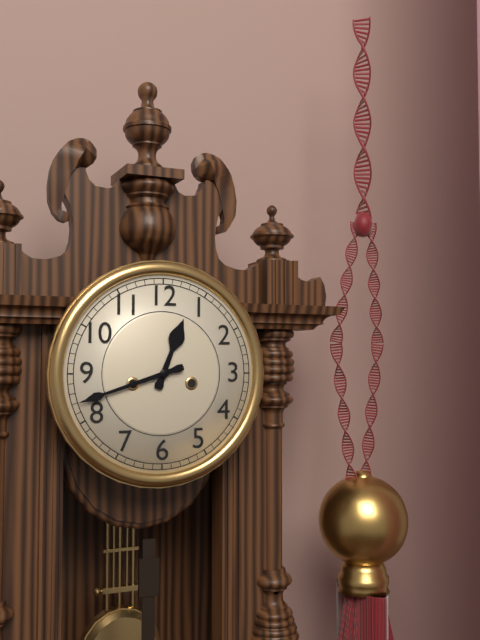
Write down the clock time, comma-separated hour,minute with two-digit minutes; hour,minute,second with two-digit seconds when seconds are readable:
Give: 12,42
